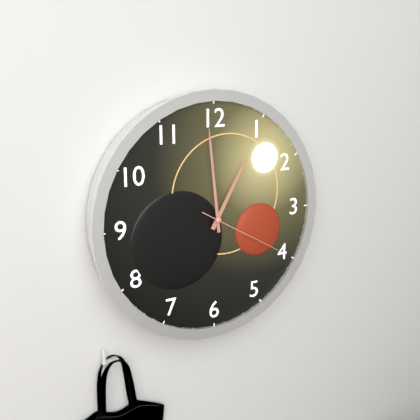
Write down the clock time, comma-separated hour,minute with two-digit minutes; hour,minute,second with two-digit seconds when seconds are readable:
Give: 12,59,20
